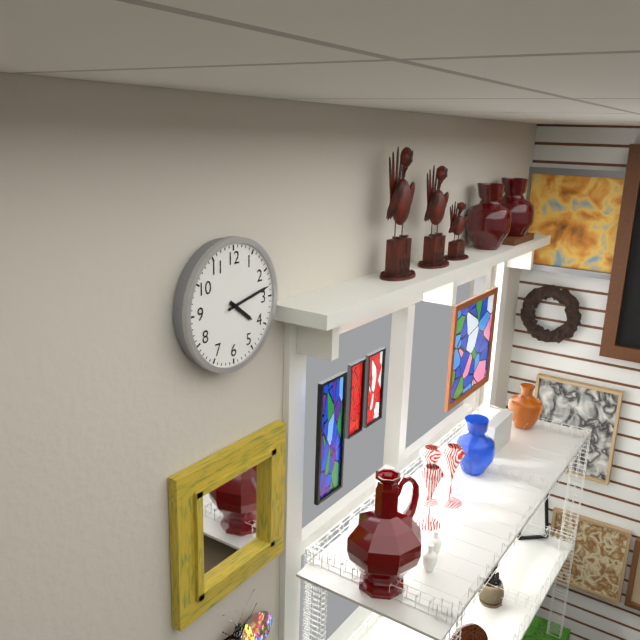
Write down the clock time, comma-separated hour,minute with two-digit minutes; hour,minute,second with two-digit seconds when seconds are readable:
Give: 4,13
